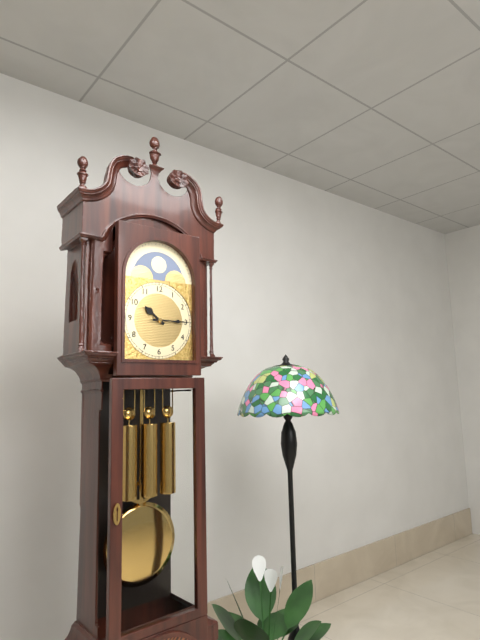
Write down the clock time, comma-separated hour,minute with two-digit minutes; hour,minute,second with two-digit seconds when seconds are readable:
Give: 10,15
